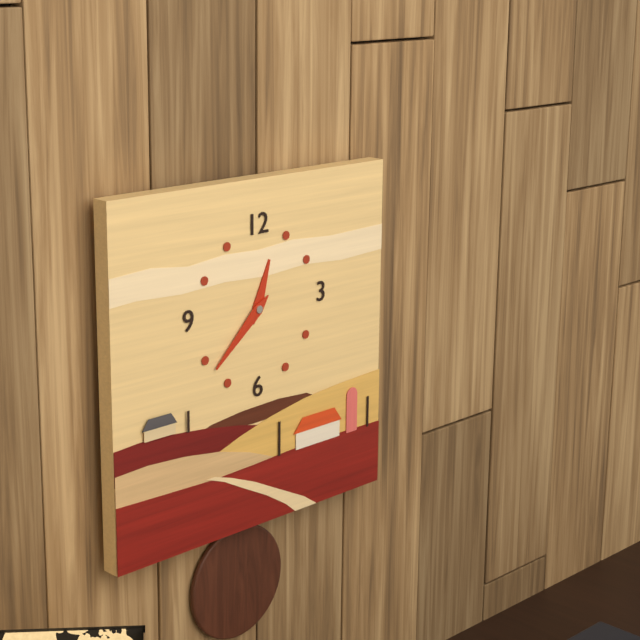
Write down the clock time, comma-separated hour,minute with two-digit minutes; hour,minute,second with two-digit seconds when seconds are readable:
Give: 12,38
